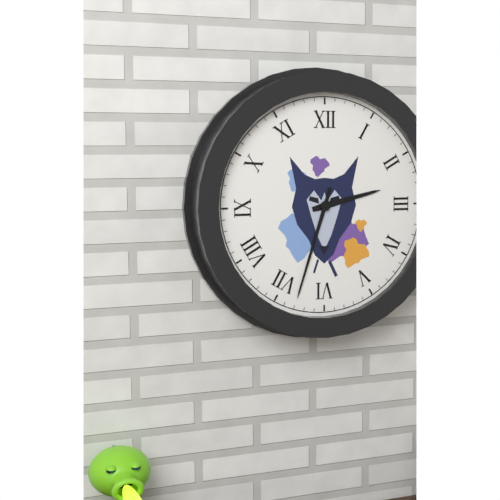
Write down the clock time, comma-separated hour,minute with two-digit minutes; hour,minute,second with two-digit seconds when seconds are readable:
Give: 2,33
